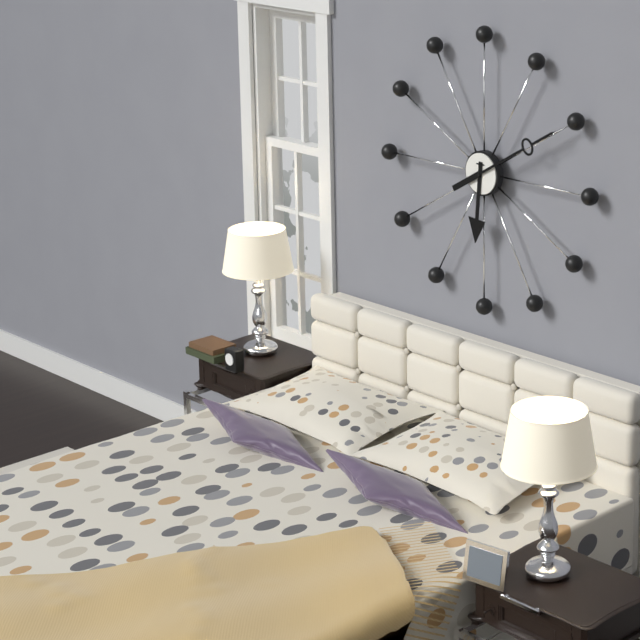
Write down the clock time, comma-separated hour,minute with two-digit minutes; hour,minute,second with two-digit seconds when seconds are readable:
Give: 6,10
